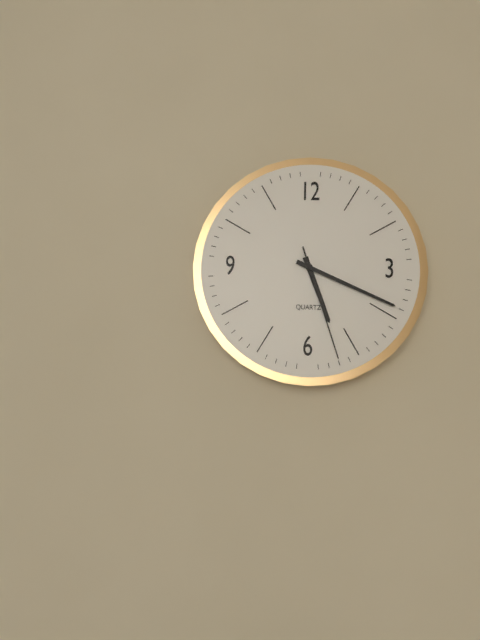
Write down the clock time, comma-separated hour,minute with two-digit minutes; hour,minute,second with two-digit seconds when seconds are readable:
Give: 5,19,27
